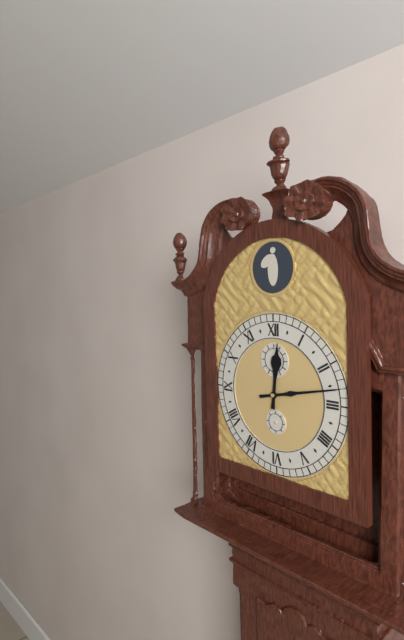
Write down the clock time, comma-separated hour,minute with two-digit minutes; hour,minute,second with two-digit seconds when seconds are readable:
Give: 12,13
